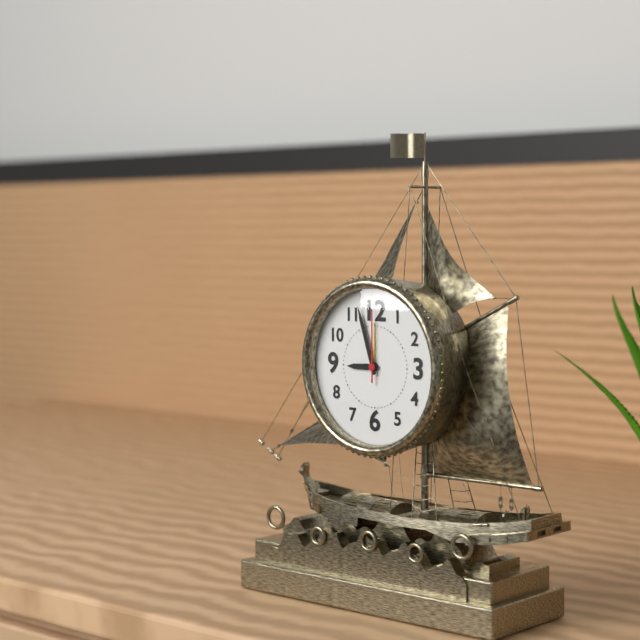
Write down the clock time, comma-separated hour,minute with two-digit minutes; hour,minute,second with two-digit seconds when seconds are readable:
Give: 8,57,00
